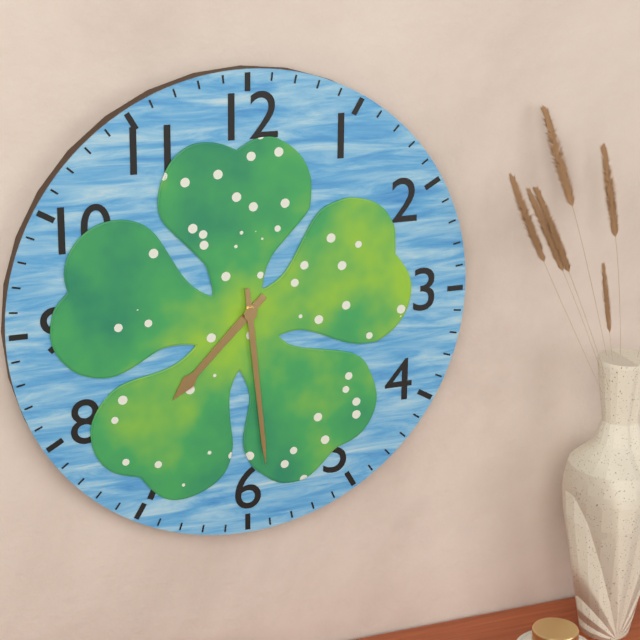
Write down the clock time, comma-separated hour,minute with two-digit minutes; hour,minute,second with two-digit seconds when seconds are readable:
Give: 7,29
